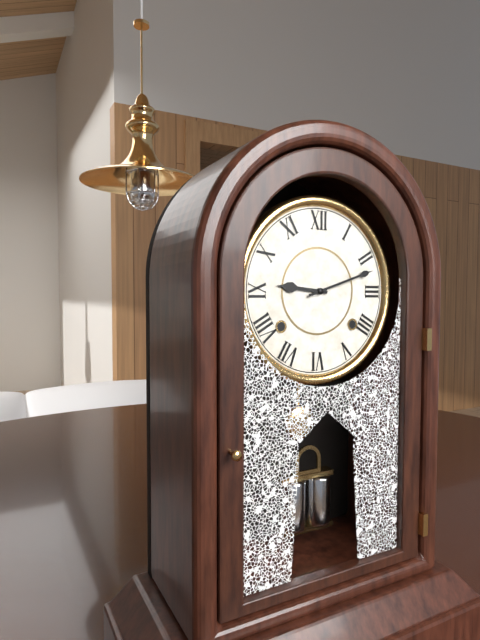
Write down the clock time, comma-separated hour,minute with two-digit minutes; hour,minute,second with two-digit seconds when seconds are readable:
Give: 9,12
